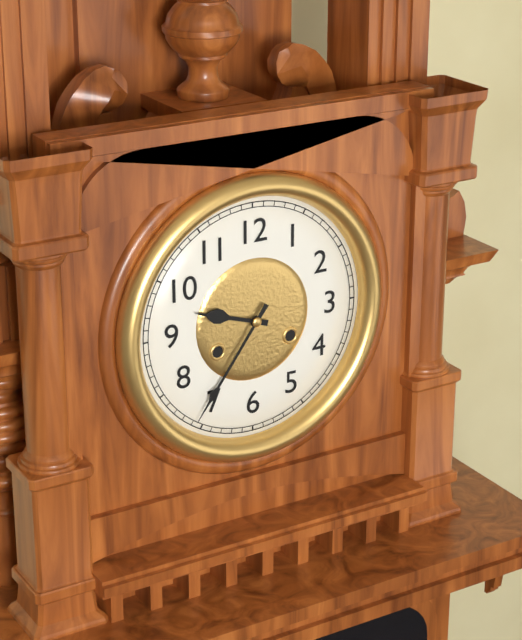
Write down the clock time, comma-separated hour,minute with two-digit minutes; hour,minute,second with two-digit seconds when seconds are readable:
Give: 9,36
